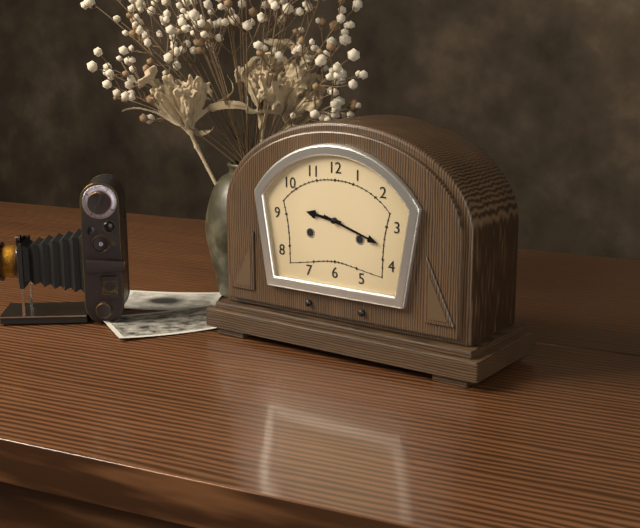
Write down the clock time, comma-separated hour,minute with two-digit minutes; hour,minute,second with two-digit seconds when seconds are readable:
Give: 9,18
